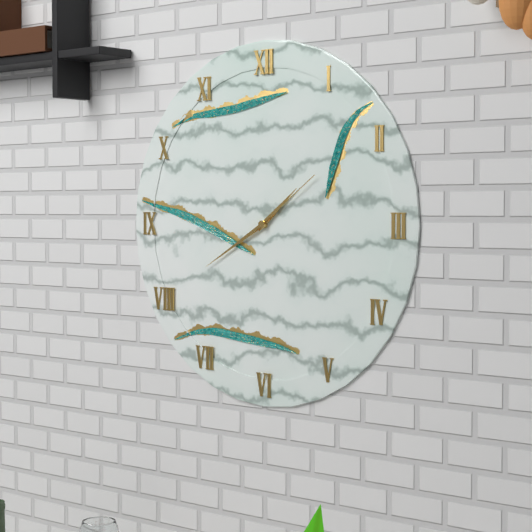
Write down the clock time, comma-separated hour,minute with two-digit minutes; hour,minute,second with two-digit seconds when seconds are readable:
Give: 1,40,09
